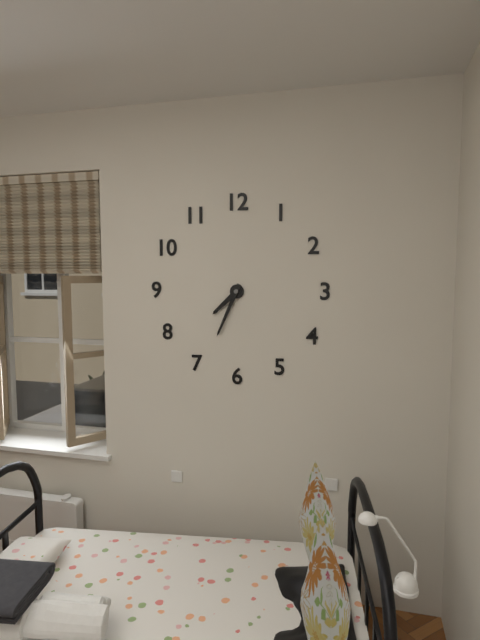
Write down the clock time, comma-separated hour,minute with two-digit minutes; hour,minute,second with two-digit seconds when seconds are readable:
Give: 7,34
